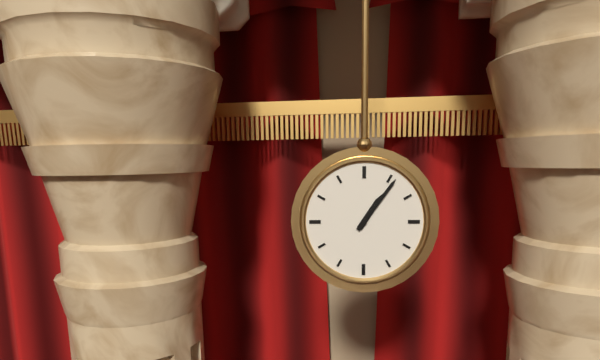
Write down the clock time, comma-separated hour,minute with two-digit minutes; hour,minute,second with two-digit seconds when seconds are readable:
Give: 1,06
